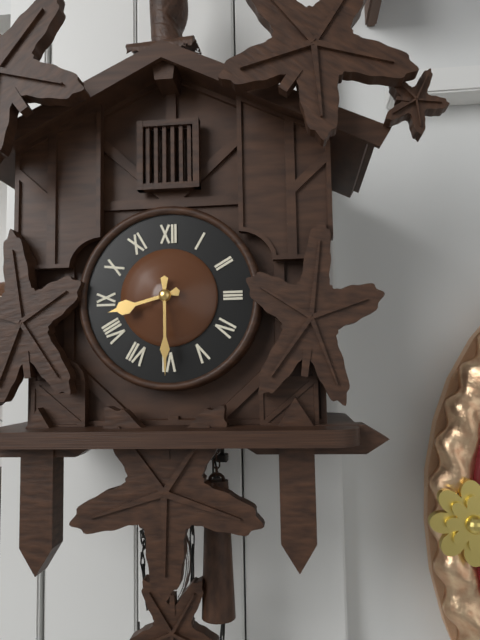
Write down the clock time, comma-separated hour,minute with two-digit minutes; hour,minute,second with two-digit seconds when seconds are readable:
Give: 8,30
